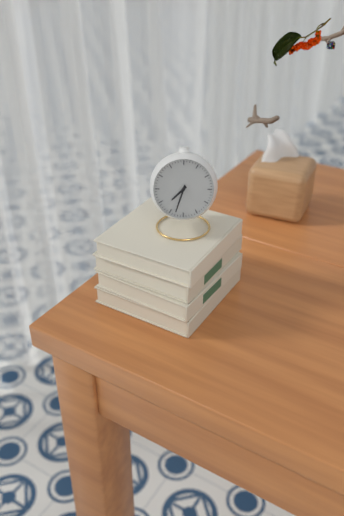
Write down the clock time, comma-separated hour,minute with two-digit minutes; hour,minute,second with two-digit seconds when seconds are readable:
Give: 7,33
